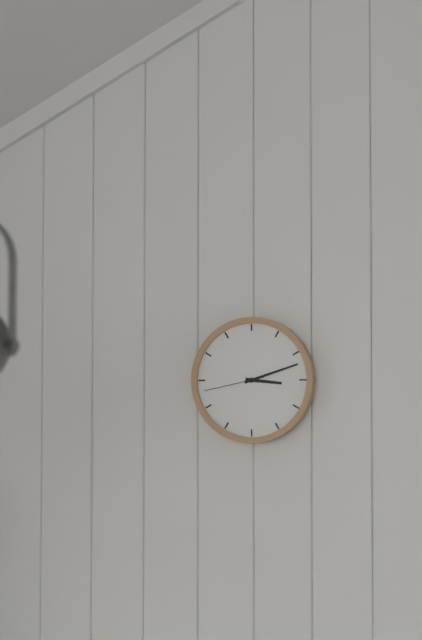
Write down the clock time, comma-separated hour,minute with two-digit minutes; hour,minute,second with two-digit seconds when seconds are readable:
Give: 3,12,43
